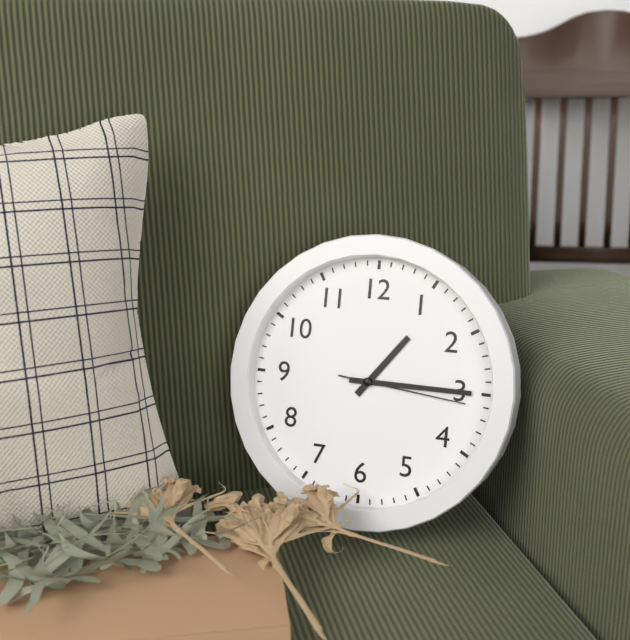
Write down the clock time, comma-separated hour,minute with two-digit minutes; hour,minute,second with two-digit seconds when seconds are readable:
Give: 1,15,16
